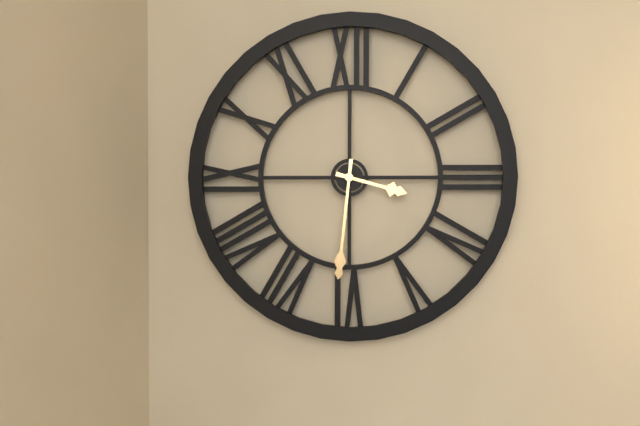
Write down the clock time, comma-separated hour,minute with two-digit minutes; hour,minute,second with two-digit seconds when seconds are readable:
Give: 3,31
